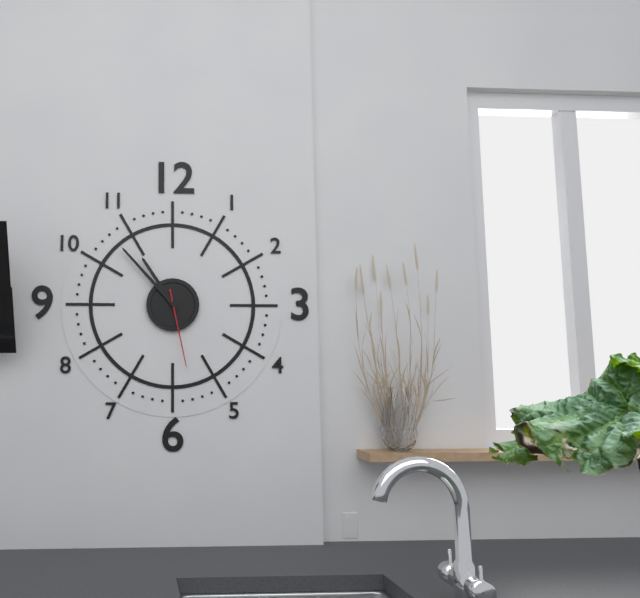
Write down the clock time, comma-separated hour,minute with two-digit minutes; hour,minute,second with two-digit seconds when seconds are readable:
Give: 10,53,28
